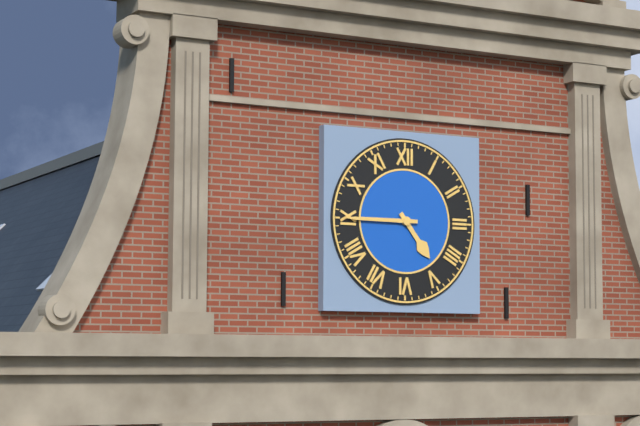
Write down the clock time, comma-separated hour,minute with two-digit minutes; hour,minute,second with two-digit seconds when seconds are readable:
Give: 4,45
